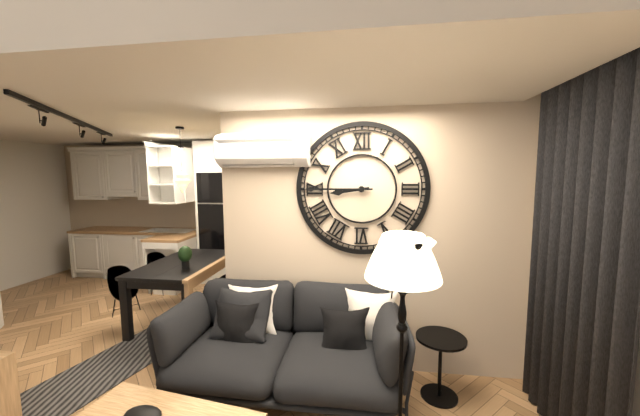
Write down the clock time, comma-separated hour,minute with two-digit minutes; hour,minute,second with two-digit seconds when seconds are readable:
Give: 8,45
